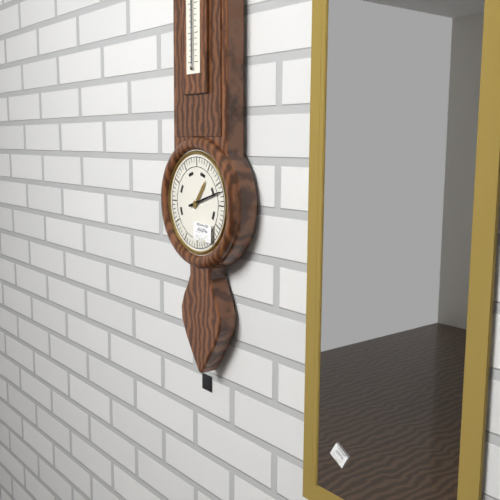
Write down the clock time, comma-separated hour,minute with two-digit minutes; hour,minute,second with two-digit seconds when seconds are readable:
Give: 1,12
